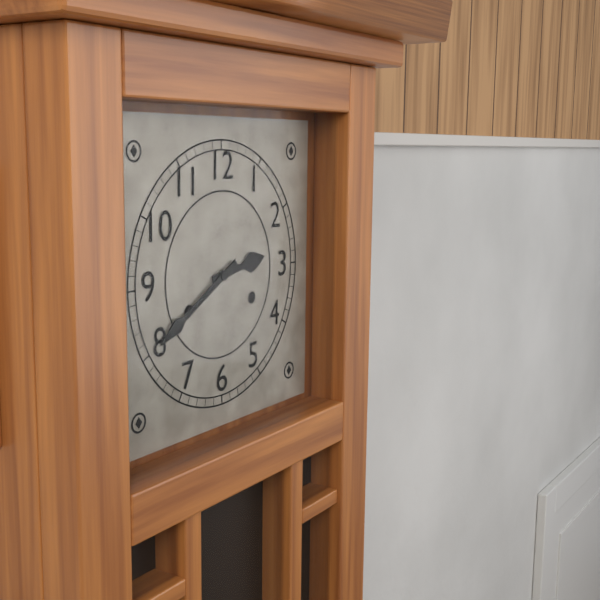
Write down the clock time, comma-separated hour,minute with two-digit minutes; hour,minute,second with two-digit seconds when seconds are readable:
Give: 2,40
